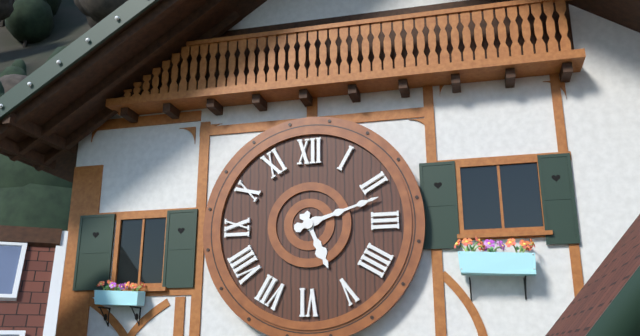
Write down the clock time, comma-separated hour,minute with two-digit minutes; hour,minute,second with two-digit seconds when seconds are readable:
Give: 5,12
